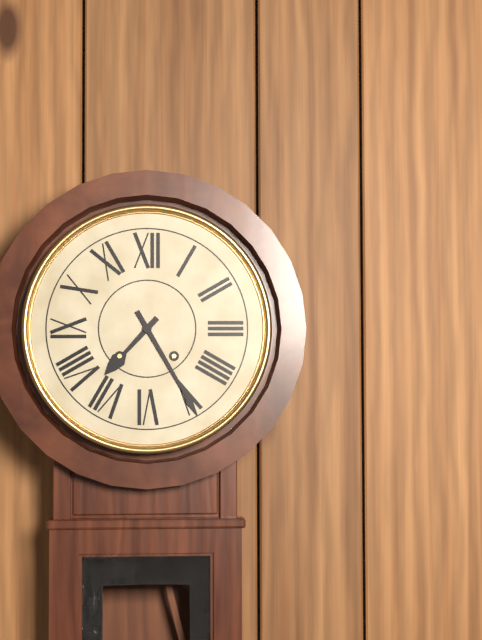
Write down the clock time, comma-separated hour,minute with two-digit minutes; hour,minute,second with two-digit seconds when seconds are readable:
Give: 7,25
